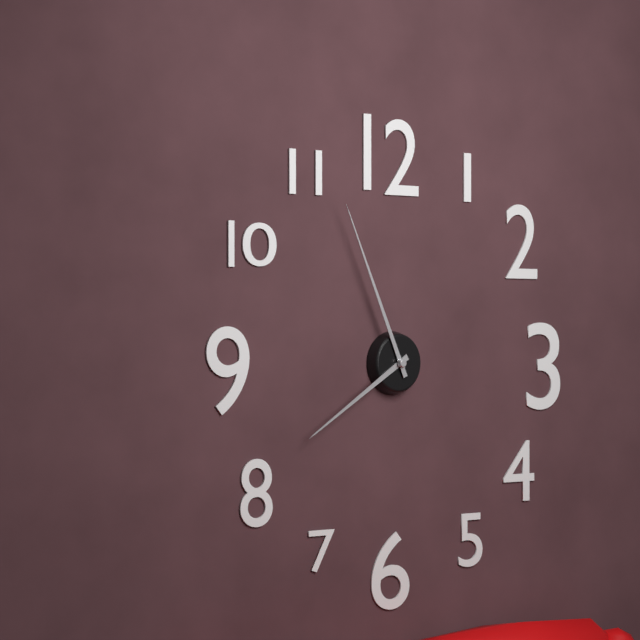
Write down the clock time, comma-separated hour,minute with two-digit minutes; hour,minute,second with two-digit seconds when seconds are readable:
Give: 7,56
